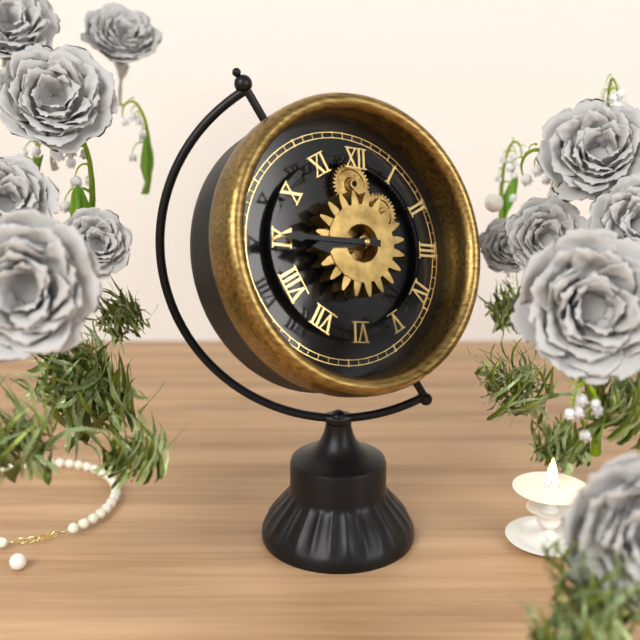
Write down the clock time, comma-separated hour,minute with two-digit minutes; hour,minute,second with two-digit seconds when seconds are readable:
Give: 8,45
